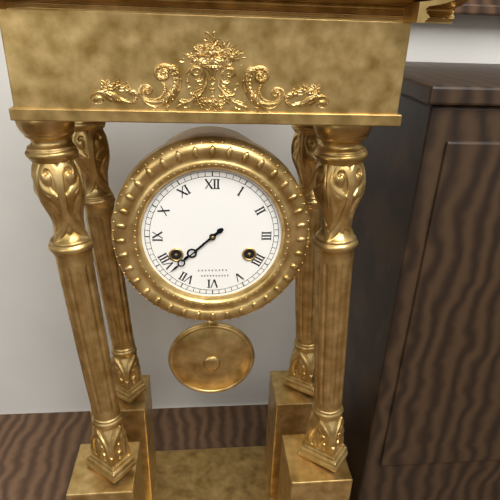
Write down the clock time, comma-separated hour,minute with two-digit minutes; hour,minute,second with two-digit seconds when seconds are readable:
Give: 7,38
